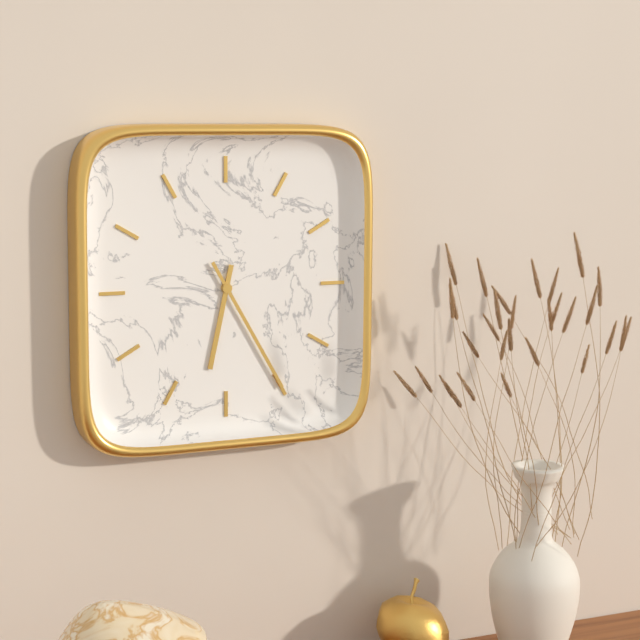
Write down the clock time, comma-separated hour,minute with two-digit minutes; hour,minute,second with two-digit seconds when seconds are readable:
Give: 6,25
